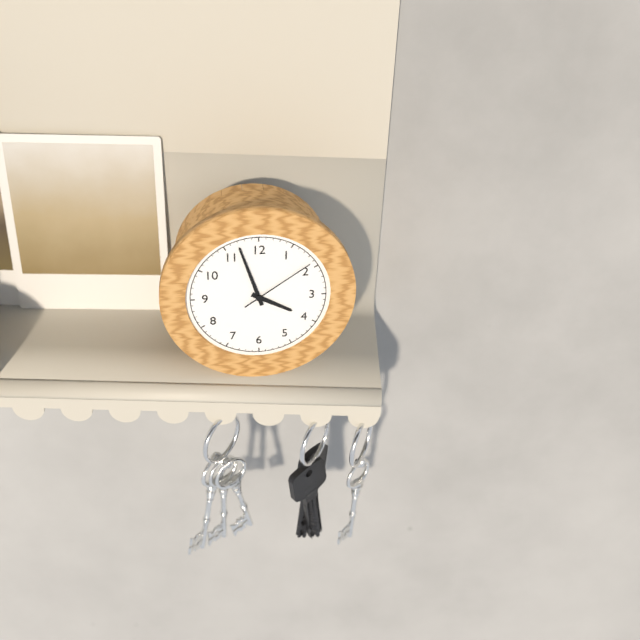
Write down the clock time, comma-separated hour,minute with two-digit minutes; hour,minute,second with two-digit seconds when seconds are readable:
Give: 3,57,09
